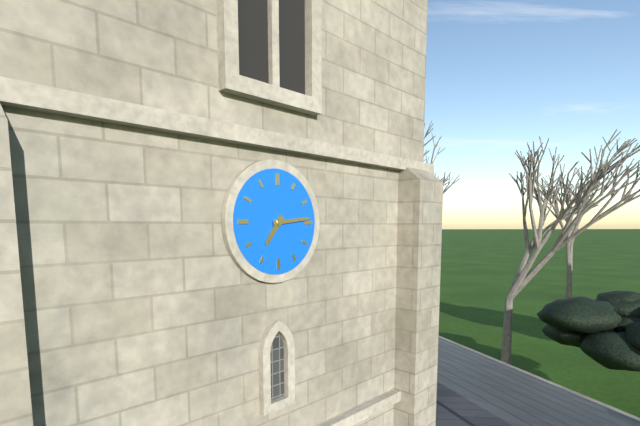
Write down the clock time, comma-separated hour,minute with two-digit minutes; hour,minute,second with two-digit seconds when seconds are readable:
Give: 7,14
